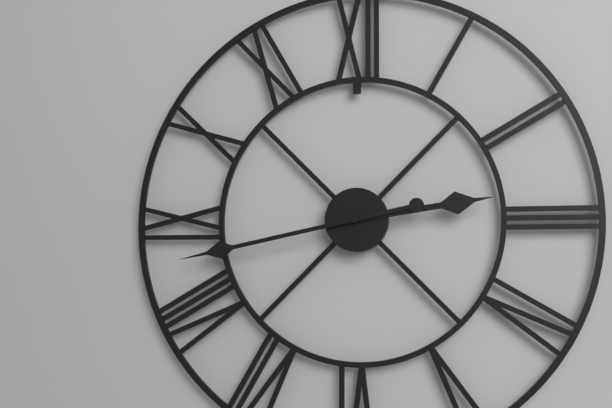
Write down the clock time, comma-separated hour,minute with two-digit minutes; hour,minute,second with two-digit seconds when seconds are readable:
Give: 2,43
